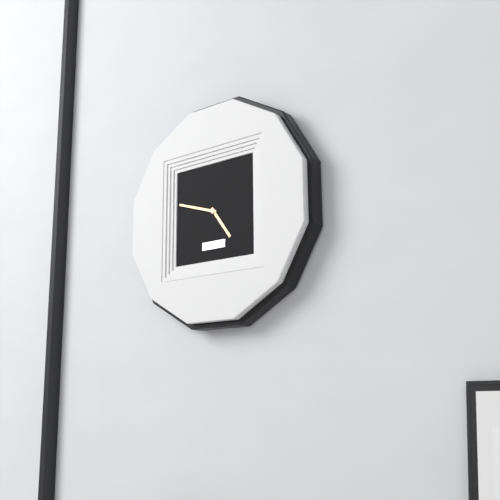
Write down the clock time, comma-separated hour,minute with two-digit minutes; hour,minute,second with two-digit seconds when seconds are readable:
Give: 4,48
